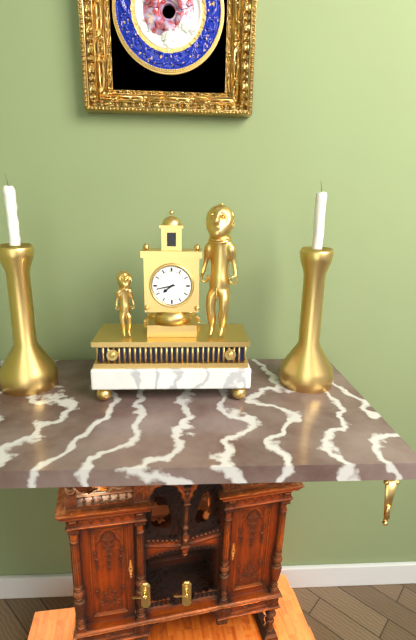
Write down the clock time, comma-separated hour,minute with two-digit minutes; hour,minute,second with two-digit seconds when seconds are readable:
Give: 7,43
